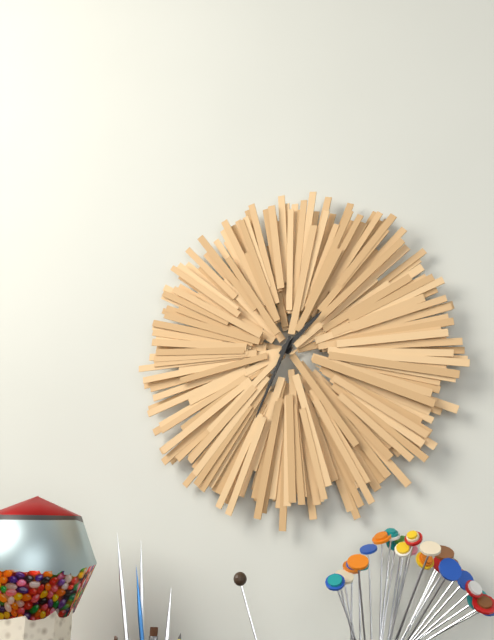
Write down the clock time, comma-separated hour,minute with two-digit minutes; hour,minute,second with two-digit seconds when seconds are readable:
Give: 1,34
